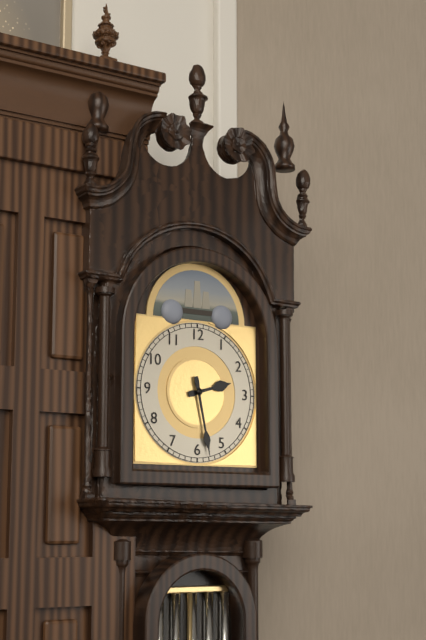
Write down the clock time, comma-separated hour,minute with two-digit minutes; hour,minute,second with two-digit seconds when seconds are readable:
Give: 2,28
